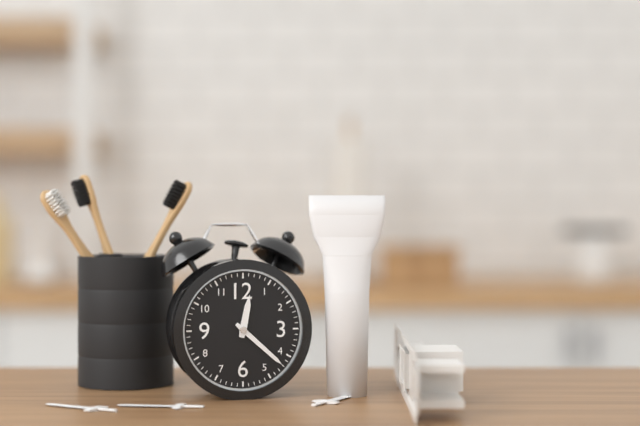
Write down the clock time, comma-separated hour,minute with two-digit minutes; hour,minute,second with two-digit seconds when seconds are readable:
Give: 12,22
